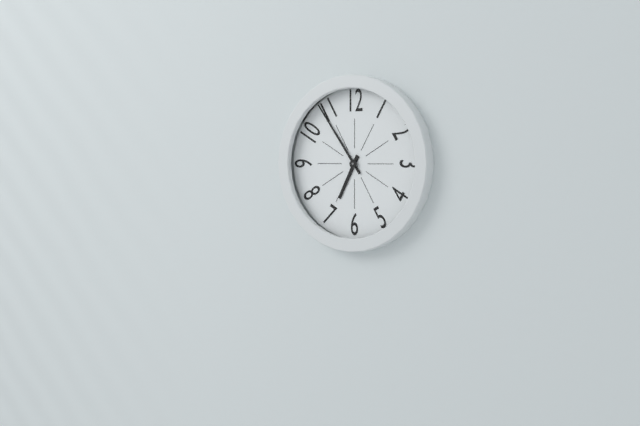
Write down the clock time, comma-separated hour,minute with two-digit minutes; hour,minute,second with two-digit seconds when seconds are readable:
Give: 6,54
